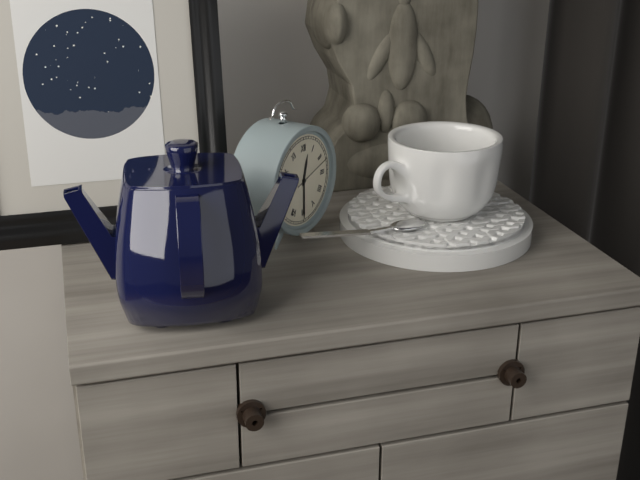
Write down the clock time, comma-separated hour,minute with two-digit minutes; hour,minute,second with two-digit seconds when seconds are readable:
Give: 12,30
